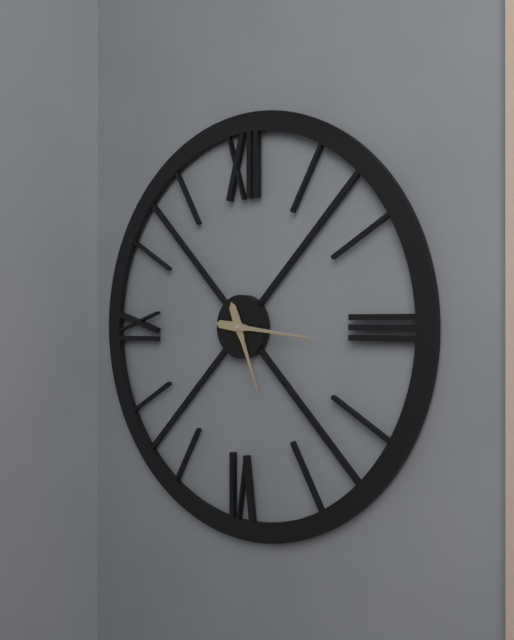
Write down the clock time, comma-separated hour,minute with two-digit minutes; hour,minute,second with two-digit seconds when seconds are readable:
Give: 5,16
